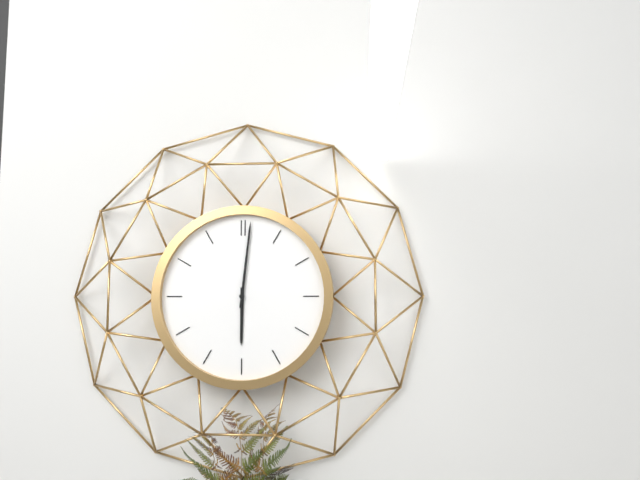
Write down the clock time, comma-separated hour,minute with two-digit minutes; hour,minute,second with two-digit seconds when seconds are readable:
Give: 6,01
